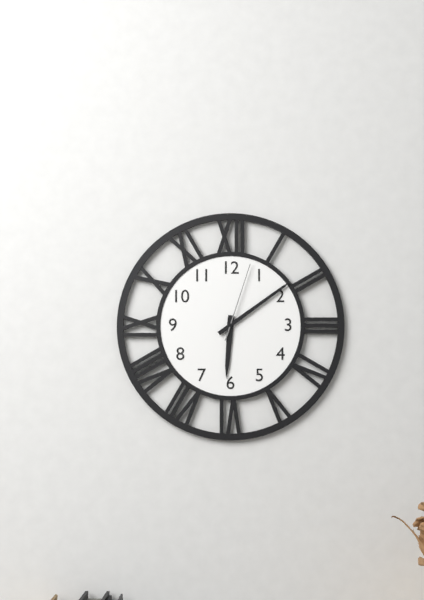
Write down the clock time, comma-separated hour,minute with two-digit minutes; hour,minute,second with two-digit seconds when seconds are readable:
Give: 6,09,03
